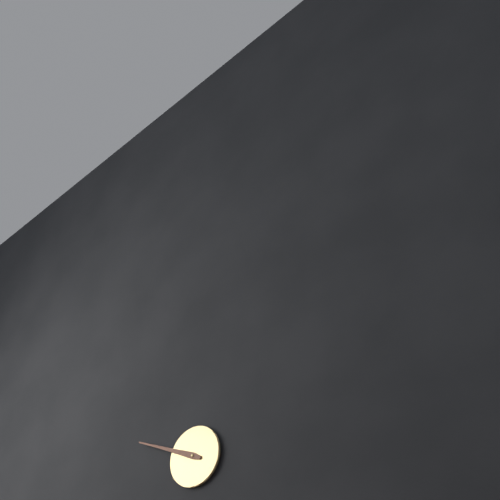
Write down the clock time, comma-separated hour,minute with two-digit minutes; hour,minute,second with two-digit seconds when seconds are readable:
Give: 9,49
